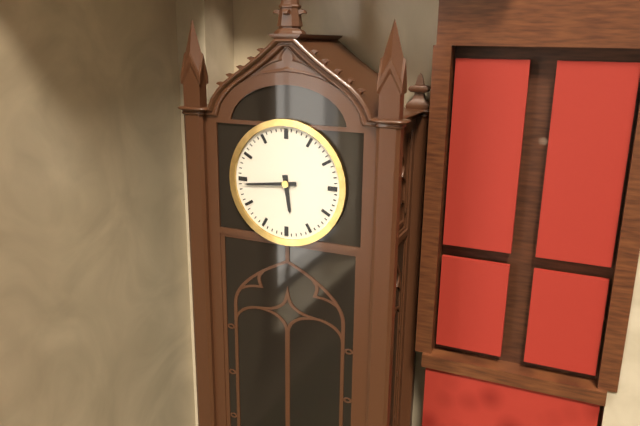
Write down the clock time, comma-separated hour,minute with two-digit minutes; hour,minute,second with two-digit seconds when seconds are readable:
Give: 5,44
